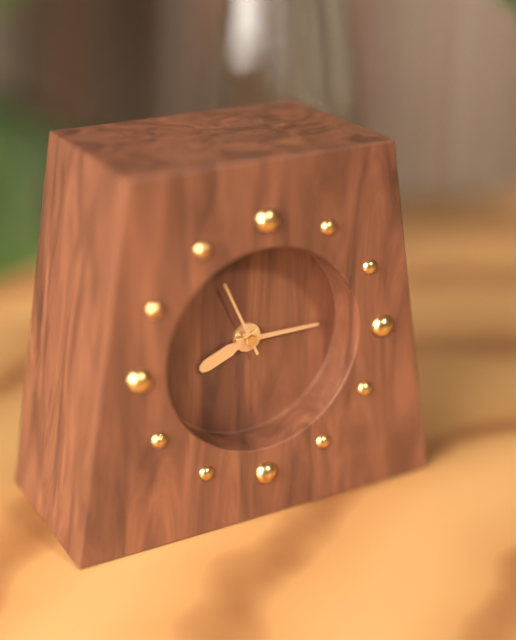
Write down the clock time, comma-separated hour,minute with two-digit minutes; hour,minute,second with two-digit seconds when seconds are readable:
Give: 8,15,56
